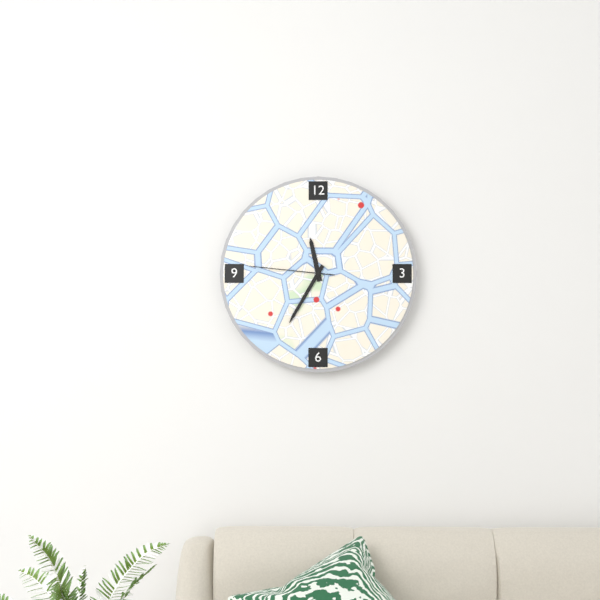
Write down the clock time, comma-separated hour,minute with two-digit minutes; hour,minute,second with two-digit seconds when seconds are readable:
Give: 11,35,46
